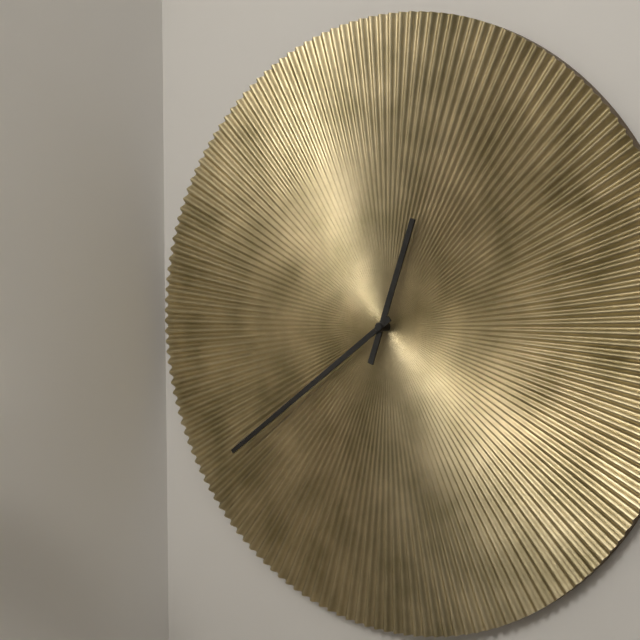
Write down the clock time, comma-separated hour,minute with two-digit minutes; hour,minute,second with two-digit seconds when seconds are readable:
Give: 12,39
